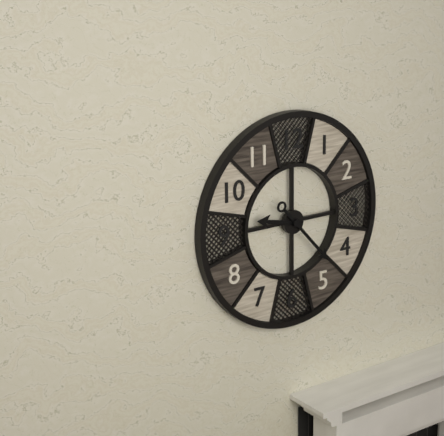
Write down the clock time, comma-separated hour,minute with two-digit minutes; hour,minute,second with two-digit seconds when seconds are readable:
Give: 9,23
